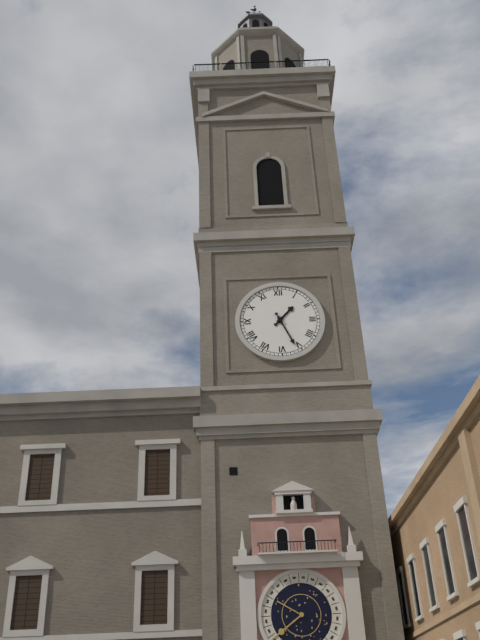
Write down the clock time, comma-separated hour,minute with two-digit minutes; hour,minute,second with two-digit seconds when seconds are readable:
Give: 1,26
